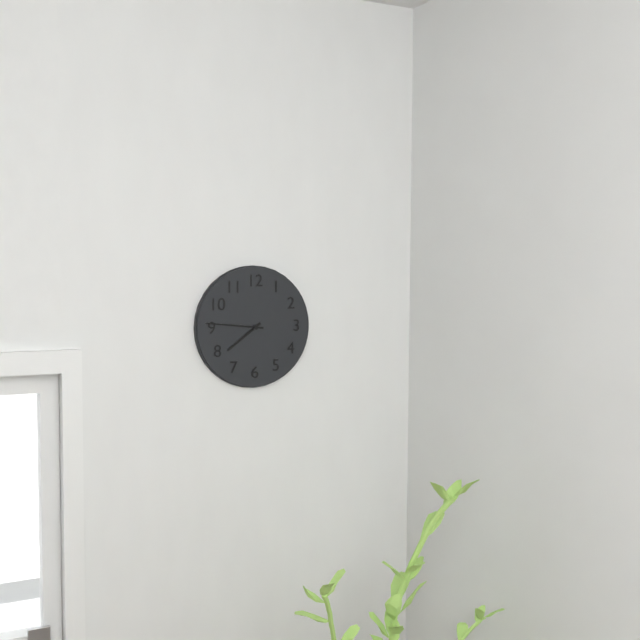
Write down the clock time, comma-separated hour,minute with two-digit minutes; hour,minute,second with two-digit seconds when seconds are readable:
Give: 7,46
